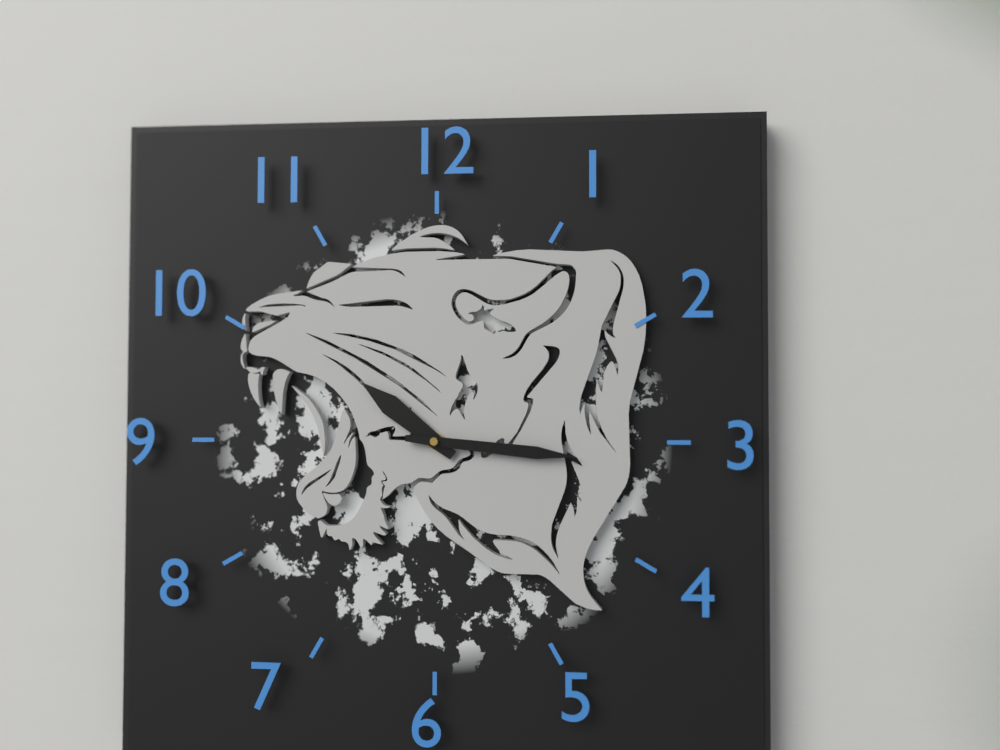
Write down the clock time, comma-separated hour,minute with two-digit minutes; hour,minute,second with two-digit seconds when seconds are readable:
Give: 10,16
